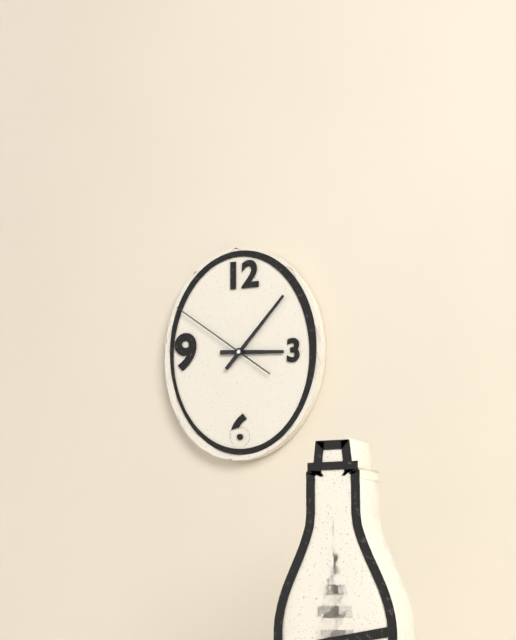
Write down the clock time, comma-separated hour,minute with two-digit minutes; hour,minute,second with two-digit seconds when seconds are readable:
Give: 3,07,51
